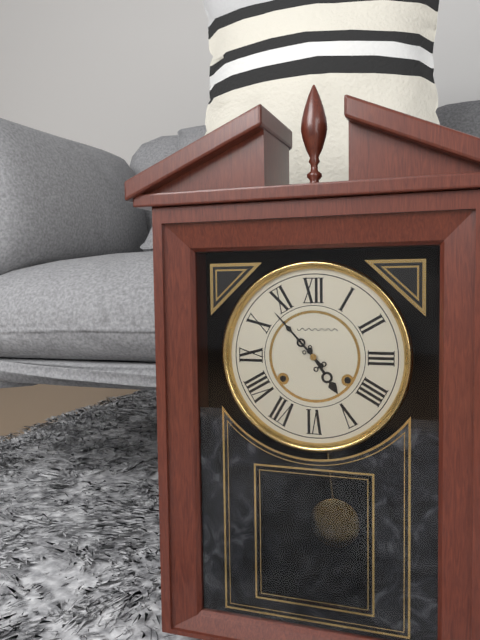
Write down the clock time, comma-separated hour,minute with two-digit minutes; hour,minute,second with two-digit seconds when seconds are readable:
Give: 4,53
